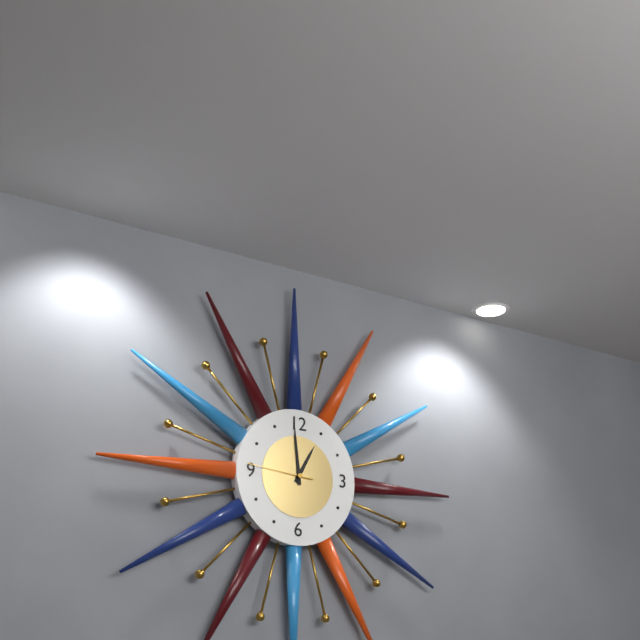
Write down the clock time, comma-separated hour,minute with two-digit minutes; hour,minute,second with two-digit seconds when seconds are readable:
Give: 12,59,46
